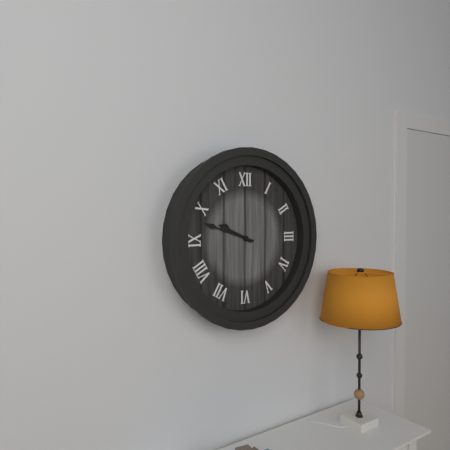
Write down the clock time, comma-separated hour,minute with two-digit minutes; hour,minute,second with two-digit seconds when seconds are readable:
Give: 9,48
